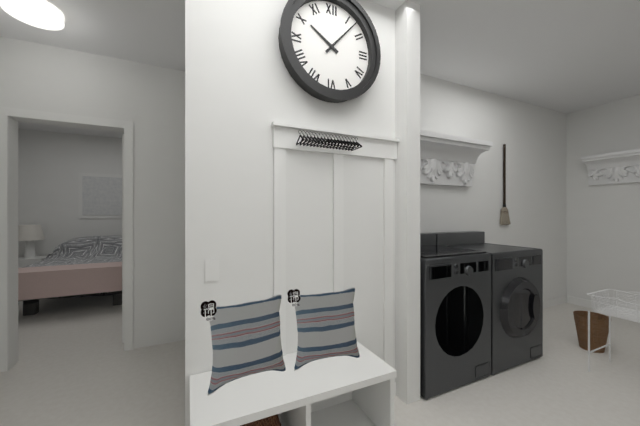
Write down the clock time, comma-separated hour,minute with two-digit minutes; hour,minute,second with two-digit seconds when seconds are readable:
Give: 10,07
